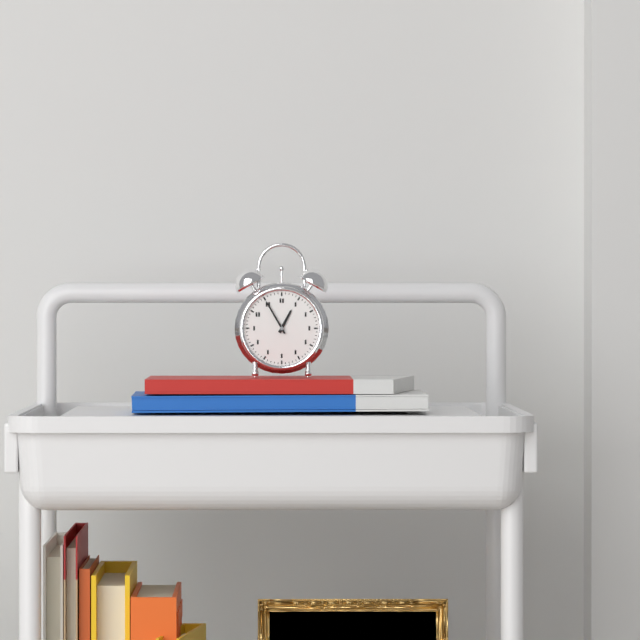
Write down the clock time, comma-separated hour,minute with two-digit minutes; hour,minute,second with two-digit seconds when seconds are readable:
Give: 12,55
